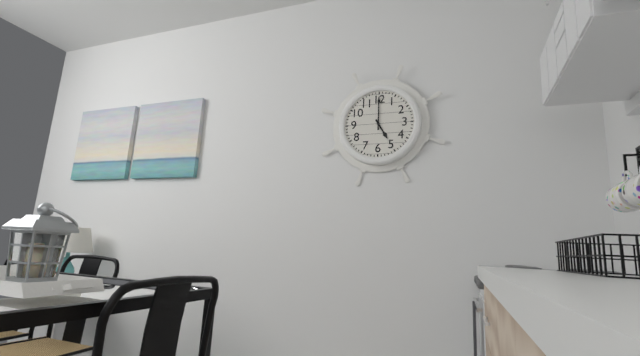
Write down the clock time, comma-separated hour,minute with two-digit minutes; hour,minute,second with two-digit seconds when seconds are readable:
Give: 5,00
